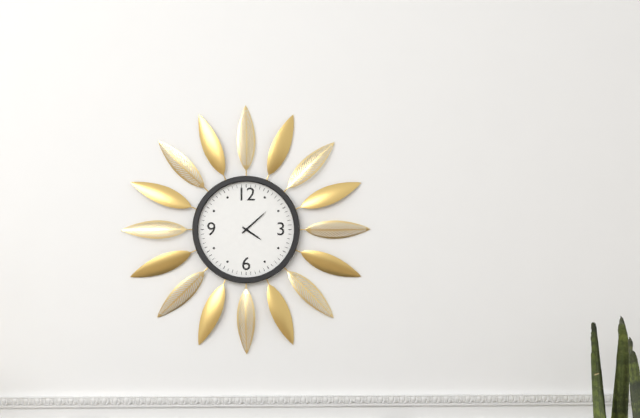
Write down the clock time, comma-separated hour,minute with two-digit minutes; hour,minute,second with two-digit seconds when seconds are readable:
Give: 4,08
